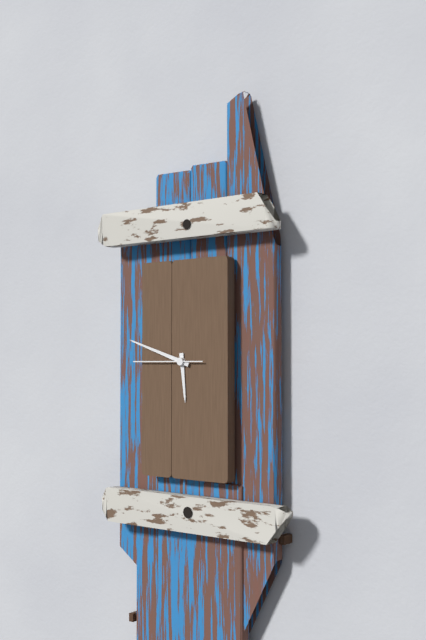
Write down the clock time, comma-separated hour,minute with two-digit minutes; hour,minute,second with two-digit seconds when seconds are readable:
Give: 5,48,45
